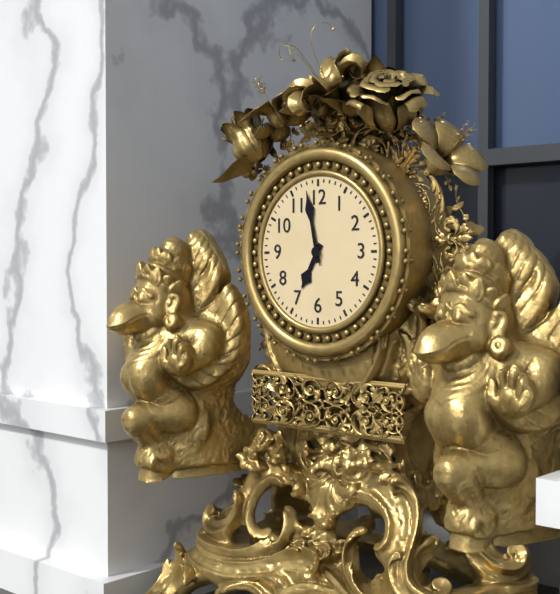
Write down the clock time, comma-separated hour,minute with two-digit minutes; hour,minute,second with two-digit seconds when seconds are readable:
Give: 6,58
